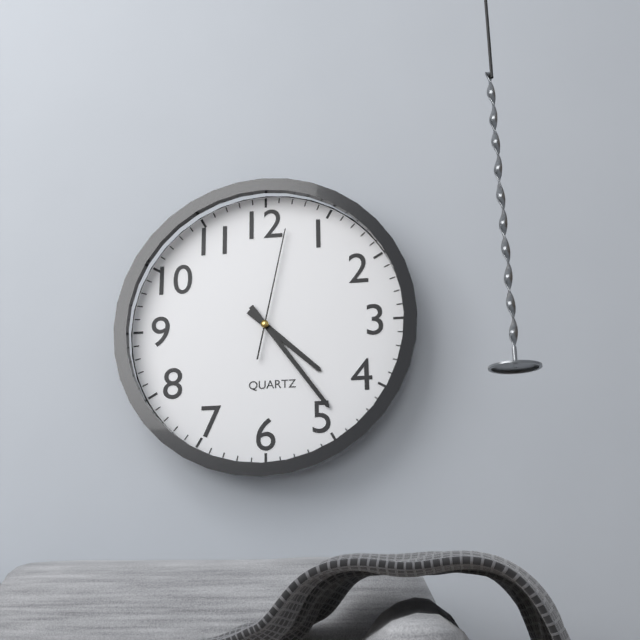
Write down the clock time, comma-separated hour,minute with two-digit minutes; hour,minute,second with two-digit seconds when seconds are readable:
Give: 4,24,02
